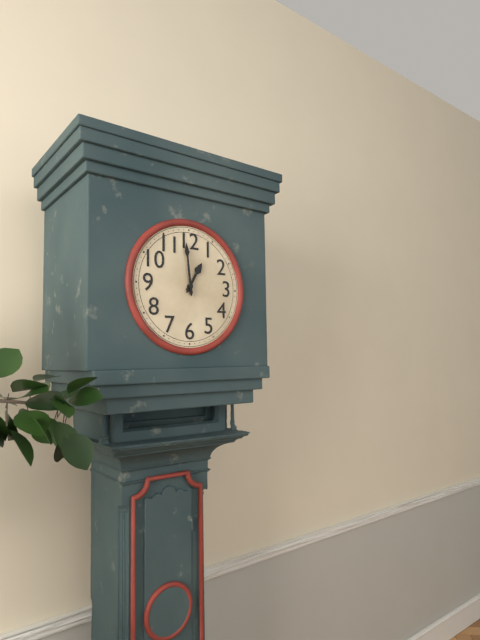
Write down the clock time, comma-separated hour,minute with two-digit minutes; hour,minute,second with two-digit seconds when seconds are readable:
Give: 12,59
